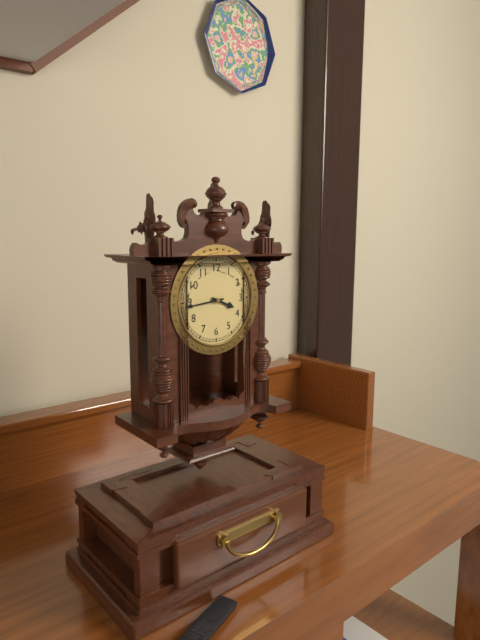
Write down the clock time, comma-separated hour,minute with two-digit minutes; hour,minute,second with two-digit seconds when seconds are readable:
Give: 3,44
